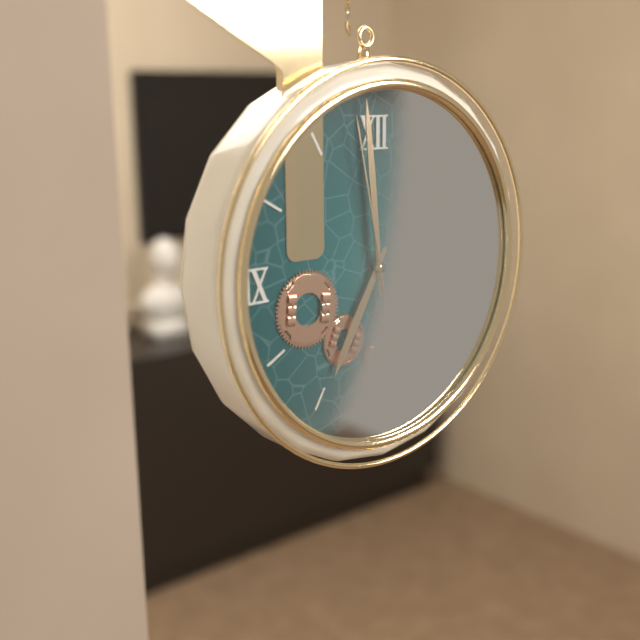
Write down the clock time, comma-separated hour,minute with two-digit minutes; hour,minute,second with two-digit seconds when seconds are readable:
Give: 6,59,58
